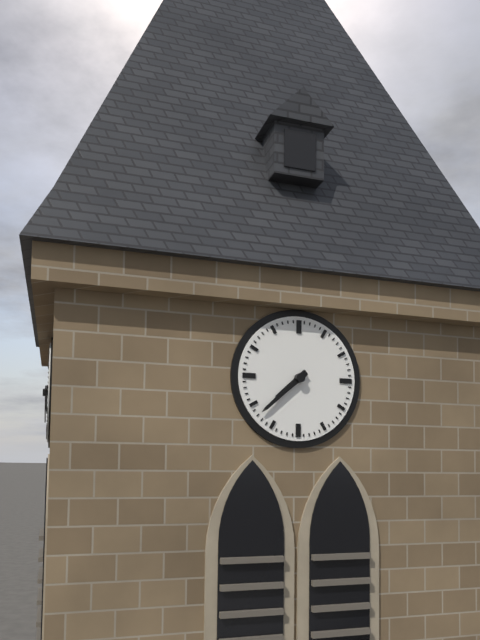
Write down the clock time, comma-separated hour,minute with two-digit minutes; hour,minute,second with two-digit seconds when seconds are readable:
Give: 7,38
